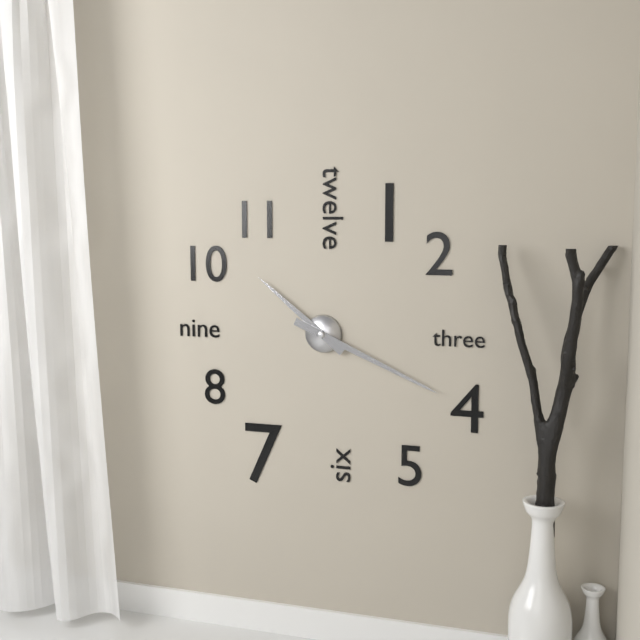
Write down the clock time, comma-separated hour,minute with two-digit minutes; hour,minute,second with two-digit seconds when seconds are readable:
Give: 10,19
